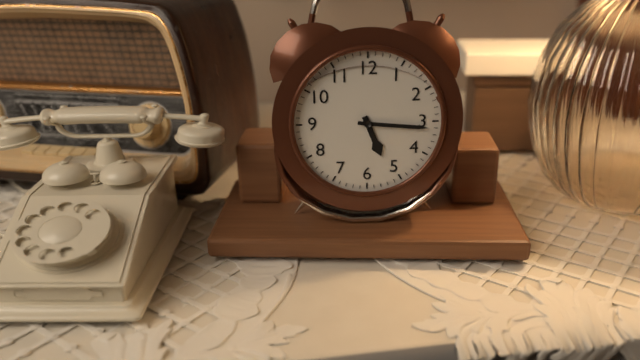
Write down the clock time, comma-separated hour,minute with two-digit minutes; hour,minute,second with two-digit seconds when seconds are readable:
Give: 5,16
